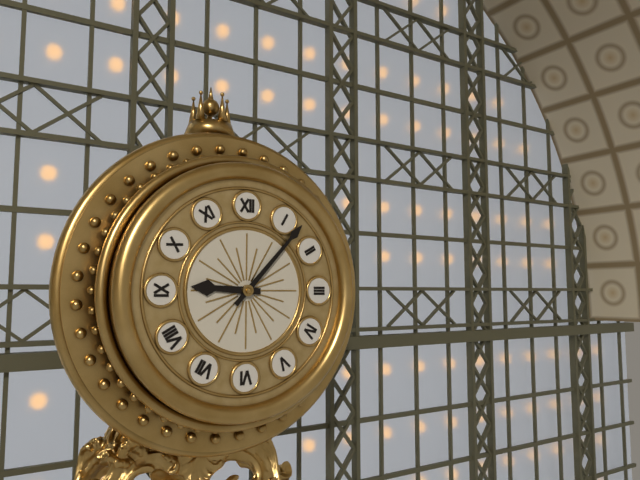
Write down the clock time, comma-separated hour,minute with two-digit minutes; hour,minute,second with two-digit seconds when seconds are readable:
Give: 9,07
